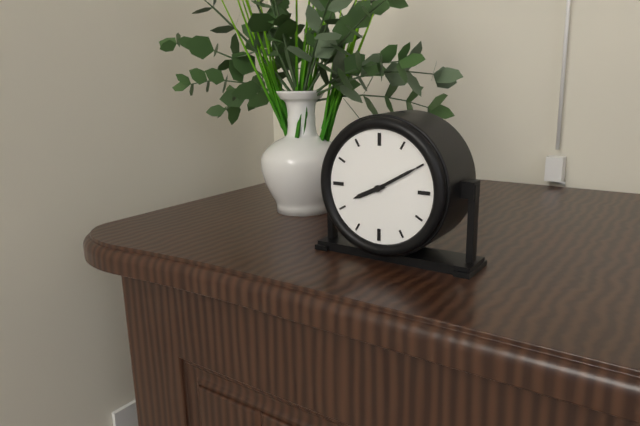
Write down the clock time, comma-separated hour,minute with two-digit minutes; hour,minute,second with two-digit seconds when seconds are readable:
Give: 8,10
